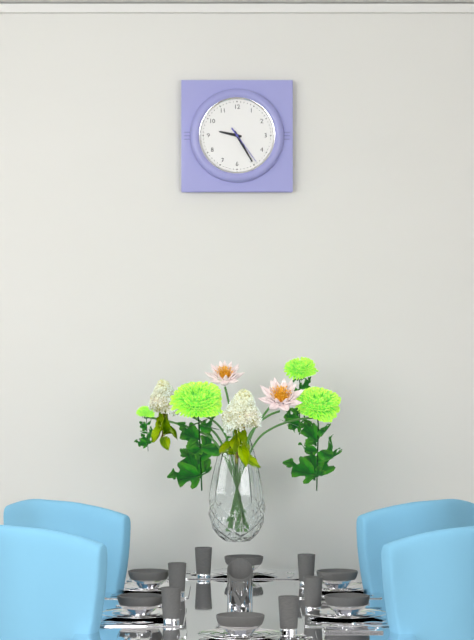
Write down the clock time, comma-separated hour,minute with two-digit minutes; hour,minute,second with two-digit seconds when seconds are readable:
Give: 9,25
